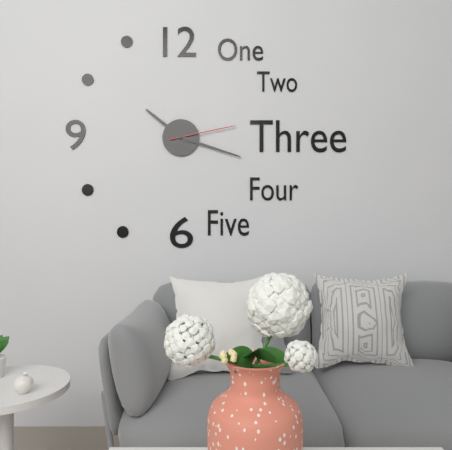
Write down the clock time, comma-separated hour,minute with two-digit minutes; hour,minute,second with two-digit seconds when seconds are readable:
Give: 10,18,13
